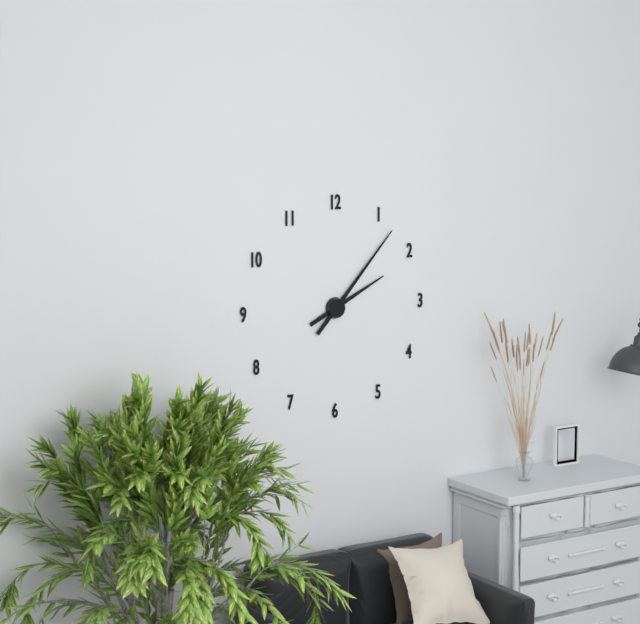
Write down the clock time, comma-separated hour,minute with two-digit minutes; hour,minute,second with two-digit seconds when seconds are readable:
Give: 2,07
